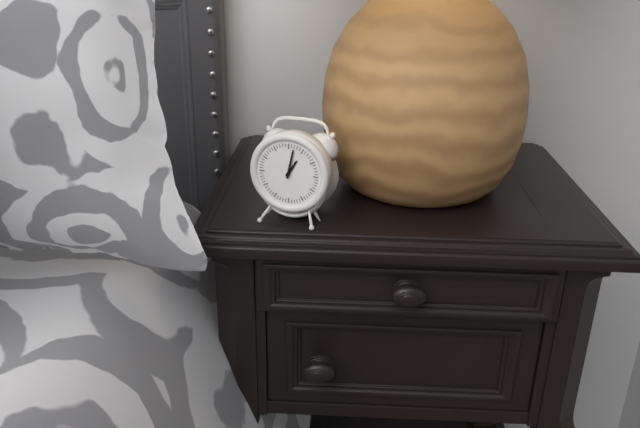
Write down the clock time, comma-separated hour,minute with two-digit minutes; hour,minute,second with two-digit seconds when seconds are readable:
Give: 1,02
